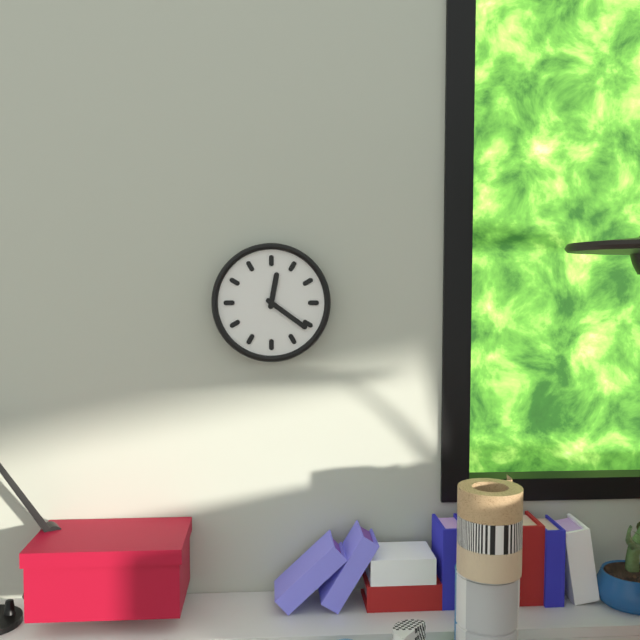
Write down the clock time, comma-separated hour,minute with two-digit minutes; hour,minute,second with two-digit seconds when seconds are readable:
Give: 12,21
